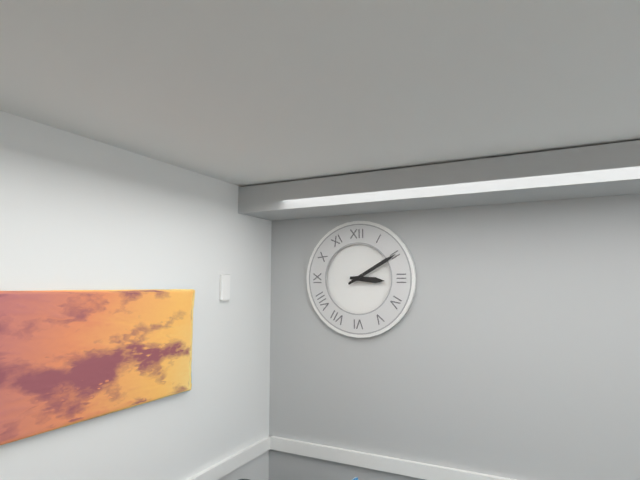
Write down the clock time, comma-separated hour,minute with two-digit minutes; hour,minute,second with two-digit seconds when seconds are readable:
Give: 3,10
